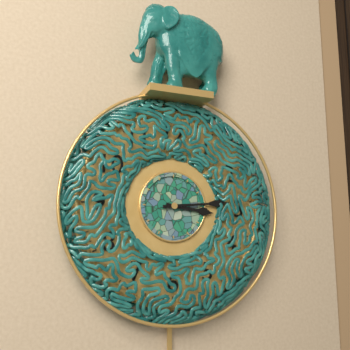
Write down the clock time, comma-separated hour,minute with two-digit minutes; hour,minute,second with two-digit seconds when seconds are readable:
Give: 3,14
